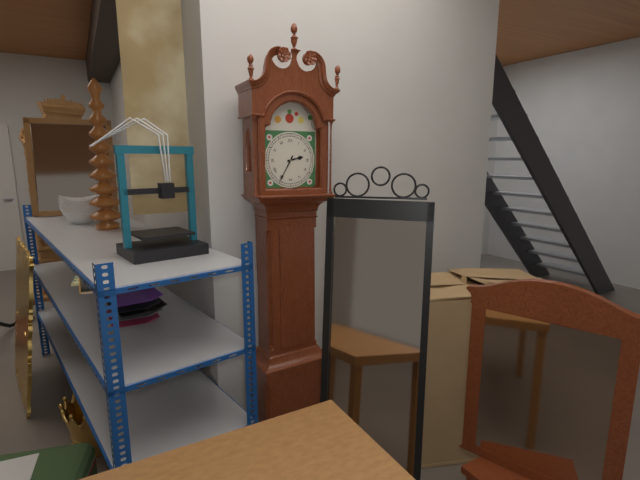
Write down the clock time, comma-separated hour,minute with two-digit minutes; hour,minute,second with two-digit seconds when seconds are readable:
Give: 2,35
